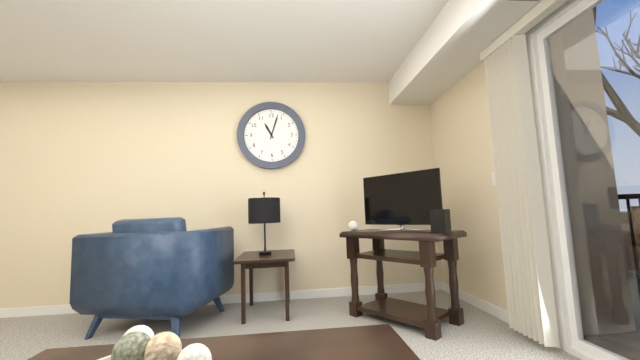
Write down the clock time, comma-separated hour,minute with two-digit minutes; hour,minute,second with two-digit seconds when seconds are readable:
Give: 11,03
